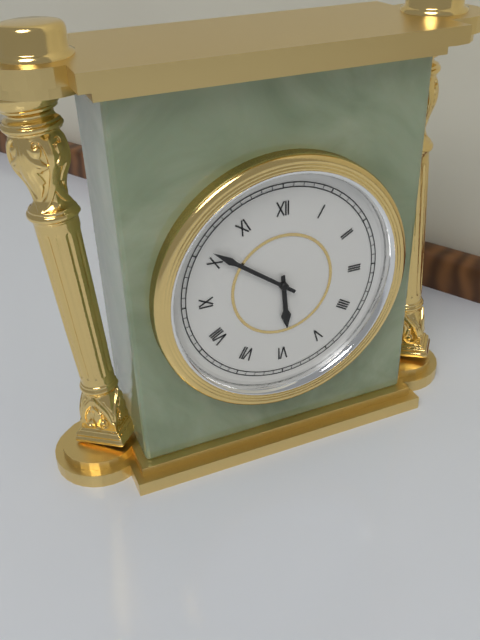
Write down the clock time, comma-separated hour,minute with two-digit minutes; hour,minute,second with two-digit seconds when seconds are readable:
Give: 5,51
